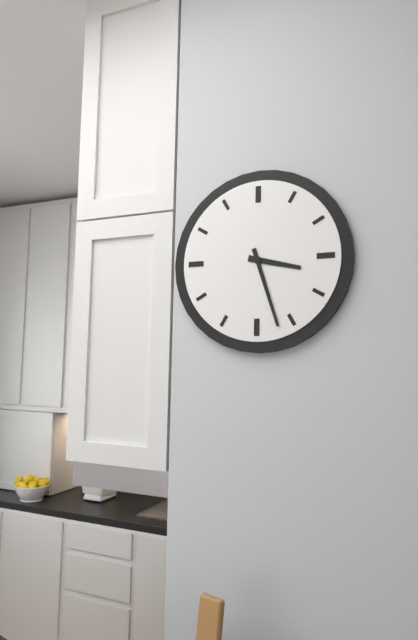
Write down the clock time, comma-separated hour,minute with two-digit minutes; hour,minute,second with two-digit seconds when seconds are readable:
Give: 3,27
